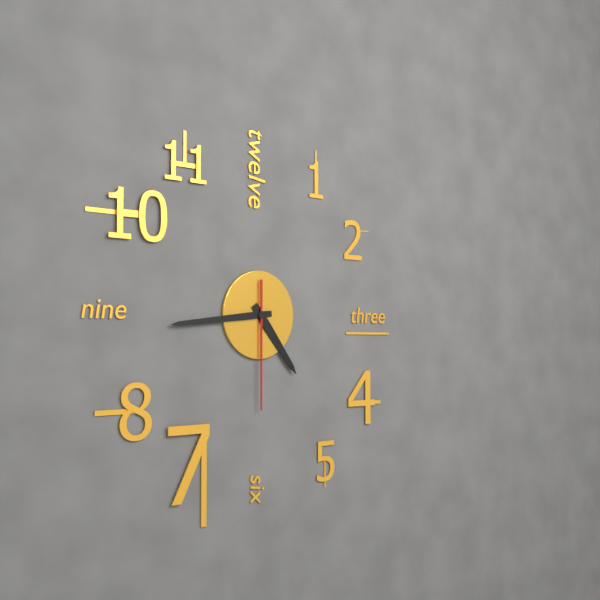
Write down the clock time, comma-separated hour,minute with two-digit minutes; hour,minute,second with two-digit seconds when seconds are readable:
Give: 4,44,30
